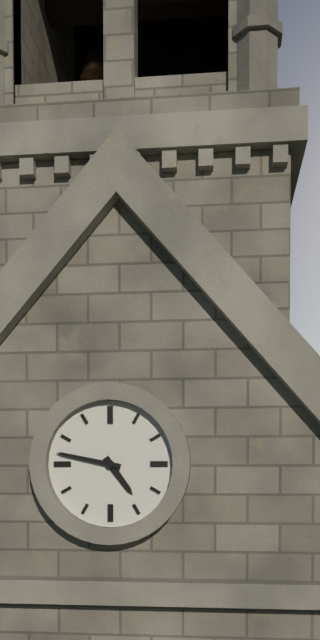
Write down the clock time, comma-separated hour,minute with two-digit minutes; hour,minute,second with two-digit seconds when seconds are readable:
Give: 4,47
